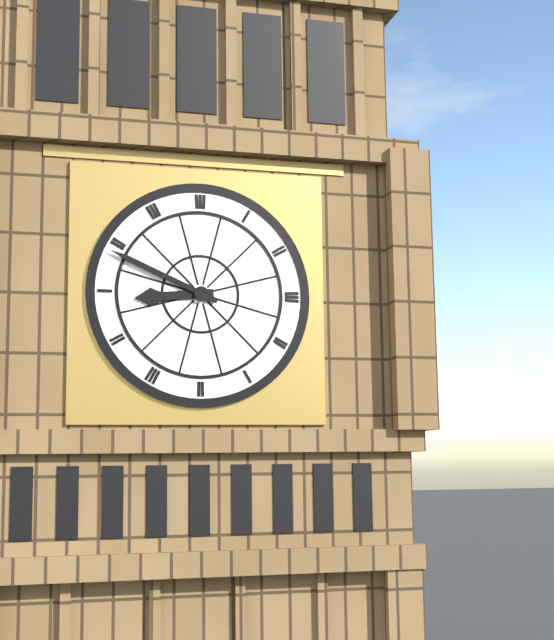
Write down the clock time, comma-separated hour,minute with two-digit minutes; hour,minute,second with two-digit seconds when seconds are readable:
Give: 8,49
